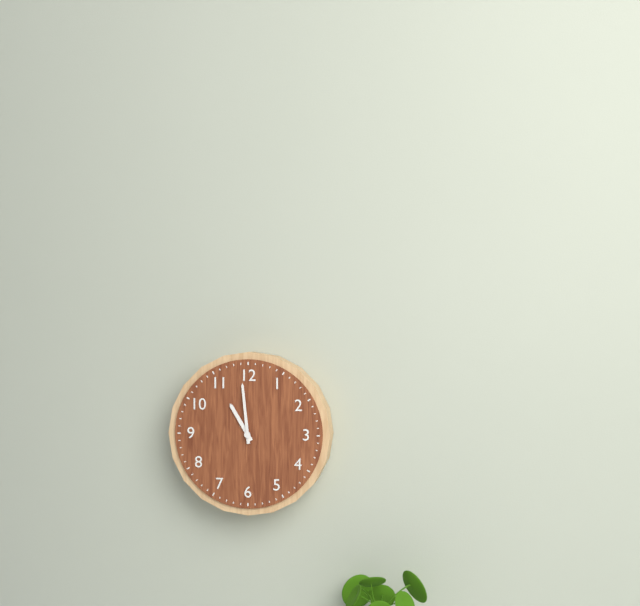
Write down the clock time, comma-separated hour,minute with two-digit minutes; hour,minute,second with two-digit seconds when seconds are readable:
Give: 10,59
